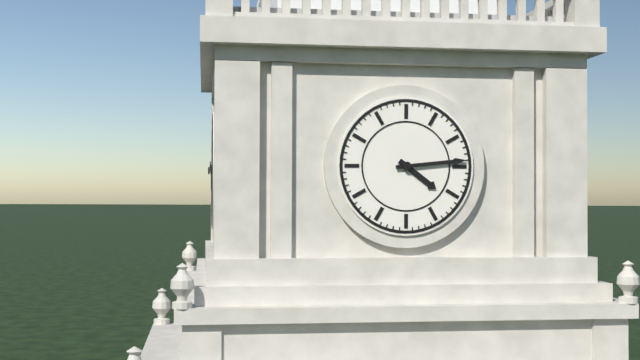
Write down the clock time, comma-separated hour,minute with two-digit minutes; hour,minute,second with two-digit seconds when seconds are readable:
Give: 4,14
